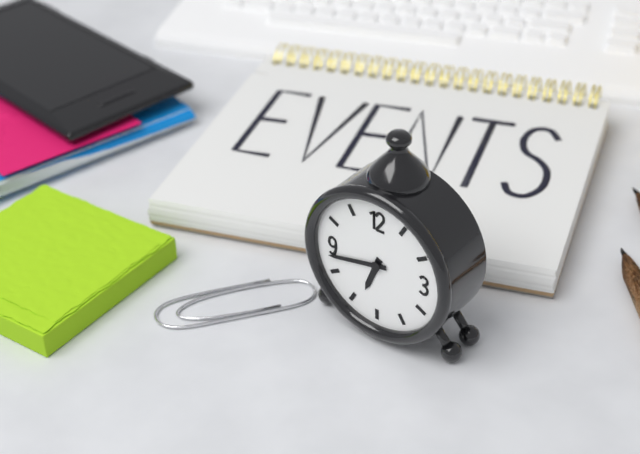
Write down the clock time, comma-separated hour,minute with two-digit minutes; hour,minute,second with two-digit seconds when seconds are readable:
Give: 6,43
